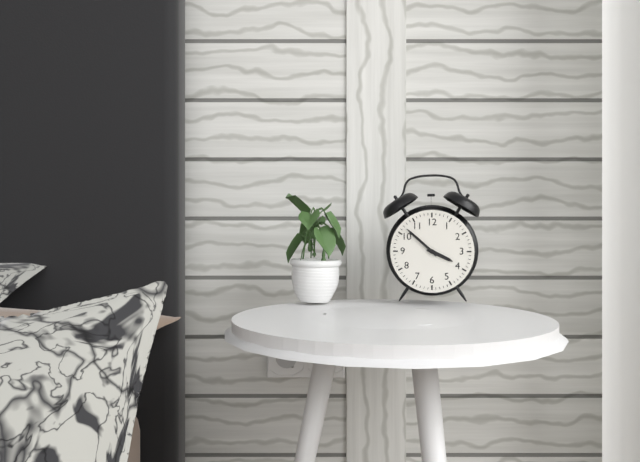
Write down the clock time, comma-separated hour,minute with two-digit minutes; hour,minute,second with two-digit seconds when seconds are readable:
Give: 3,52
